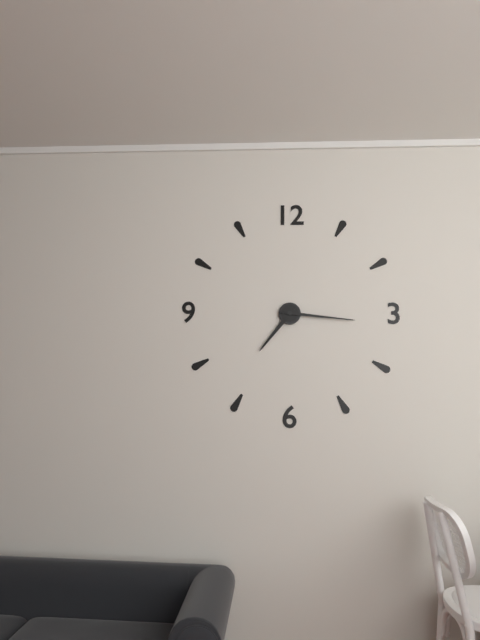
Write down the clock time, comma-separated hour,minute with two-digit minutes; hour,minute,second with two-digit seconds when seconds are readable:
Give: 7,16
